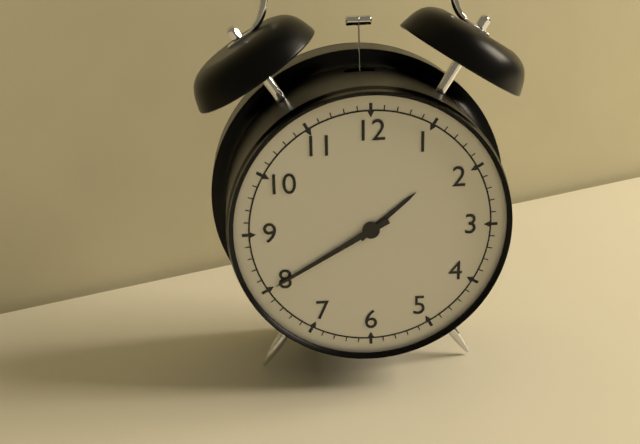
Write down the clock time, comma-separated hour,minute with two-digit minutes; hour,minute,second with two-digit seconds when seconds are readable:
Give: 1,40
